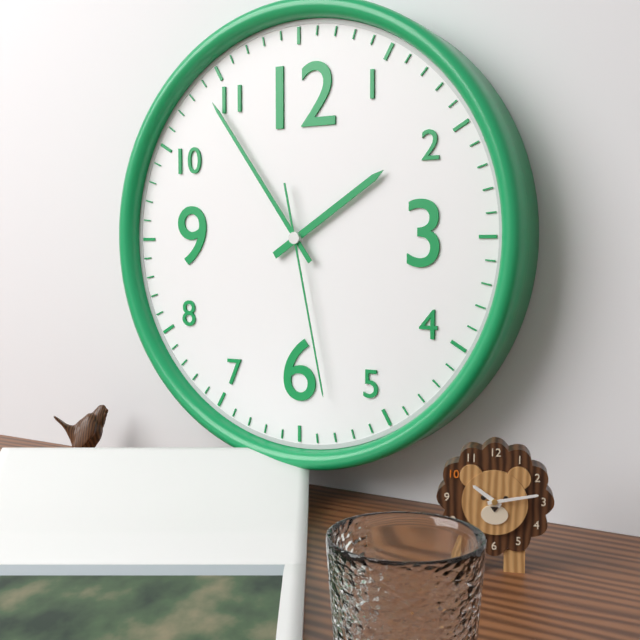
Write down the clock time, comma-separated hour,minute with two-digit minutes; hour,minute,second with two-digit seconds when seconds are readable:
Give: 1,54,28
